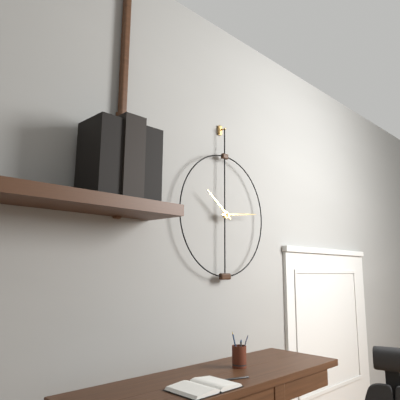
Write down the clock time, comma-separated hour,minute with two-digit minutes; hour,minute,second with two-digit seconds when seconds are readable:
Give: 10,14
